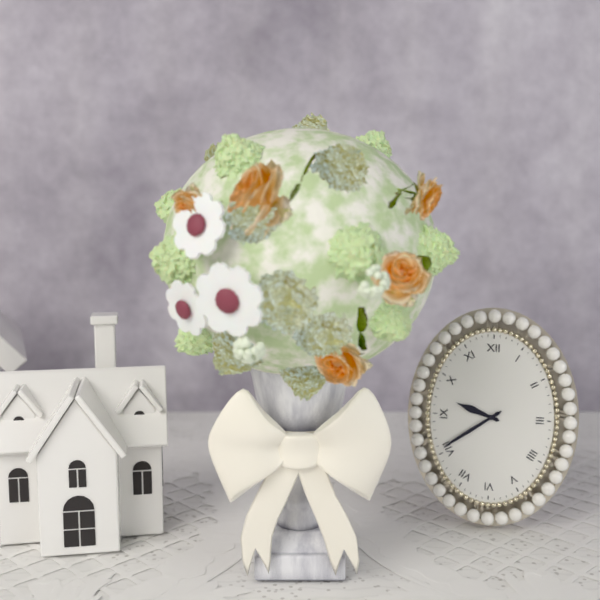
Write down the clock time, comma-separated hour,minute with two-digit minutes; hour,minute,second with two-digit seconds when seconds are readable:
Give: 9,39
